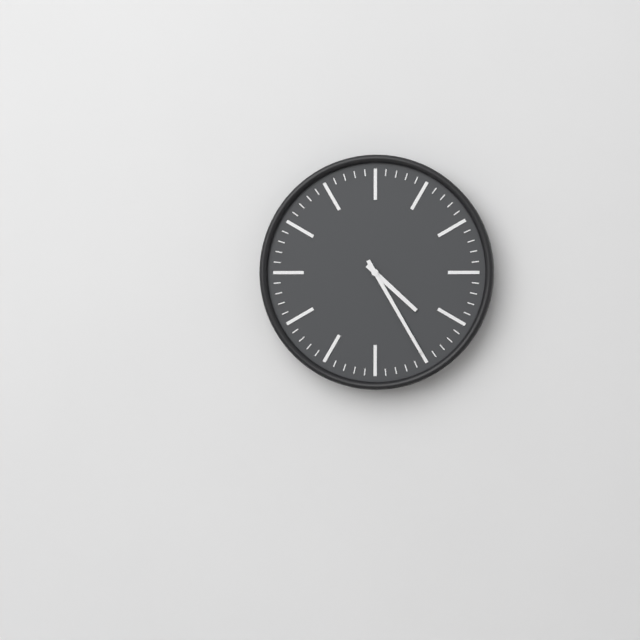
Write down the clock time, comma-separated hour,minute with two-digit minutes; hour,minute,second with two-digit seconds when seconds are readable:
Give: 4,25
